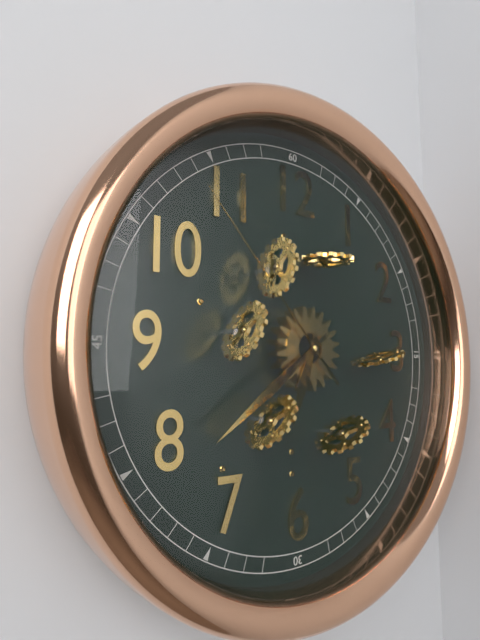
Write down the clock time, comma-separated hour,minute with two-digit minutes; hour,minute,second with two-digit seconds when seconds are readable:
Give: 6,39,53
